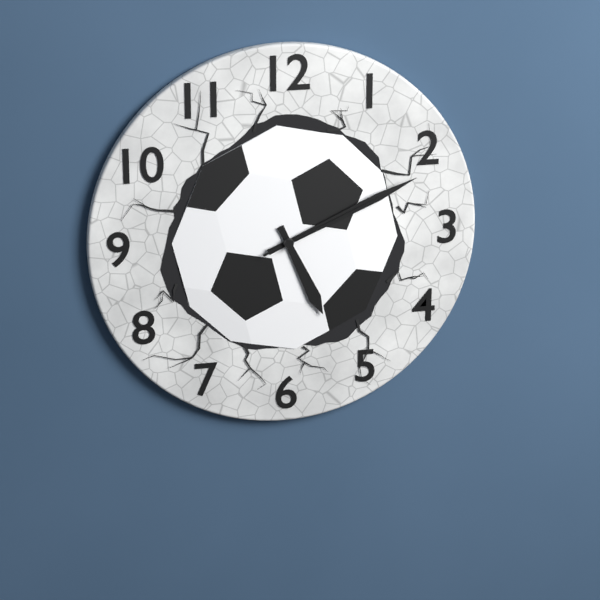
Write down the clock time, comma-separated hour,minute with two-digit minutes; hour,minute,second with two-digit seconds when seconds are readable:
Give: 5,11,11
